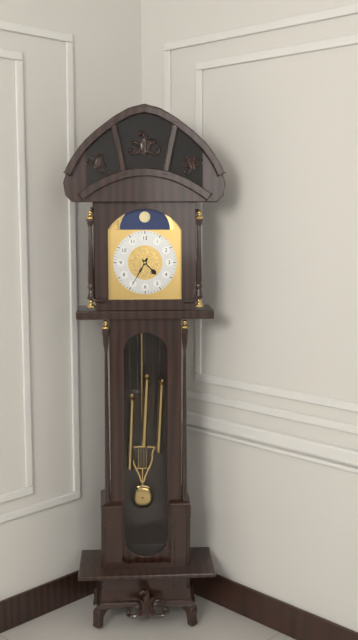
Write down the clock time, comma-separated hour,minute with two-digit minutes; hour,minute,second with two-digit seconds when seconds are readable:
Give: 4,35
